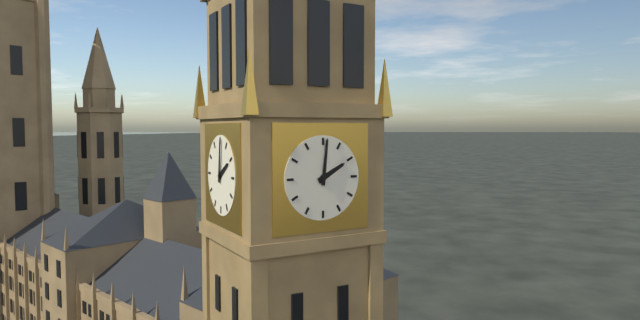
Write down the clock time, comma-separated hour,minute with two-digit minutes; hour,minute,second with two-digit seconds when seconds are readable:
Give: 2,01
